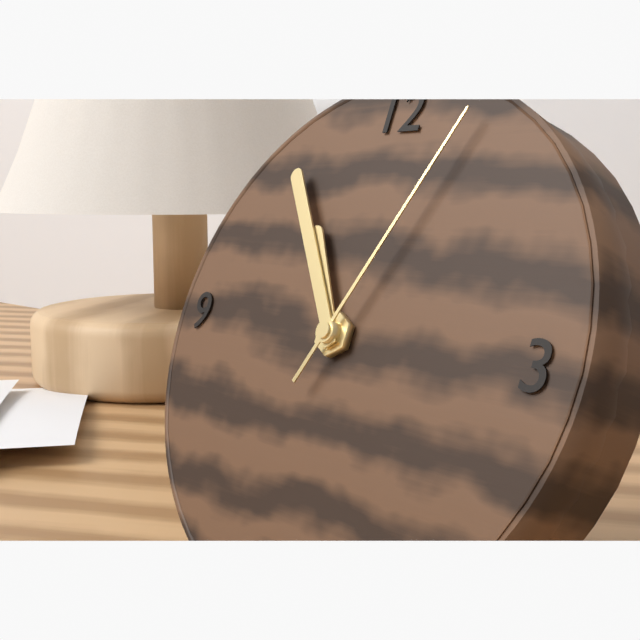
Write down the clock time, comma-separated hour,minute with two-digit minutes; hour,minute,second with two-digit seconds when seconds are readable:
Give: 10,54,04
